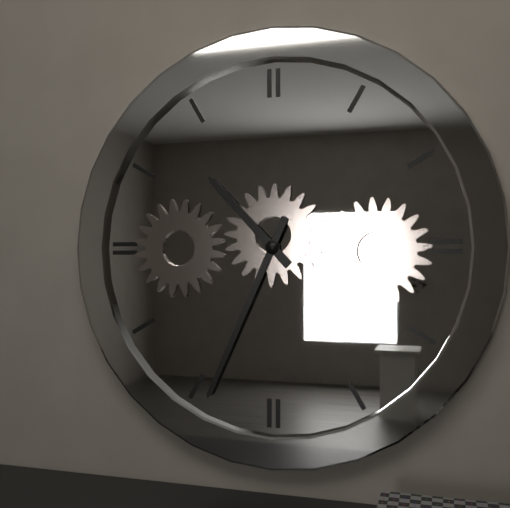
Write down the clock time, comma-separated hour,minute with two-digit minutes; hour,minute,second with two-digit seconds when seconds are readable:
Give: 10,34
